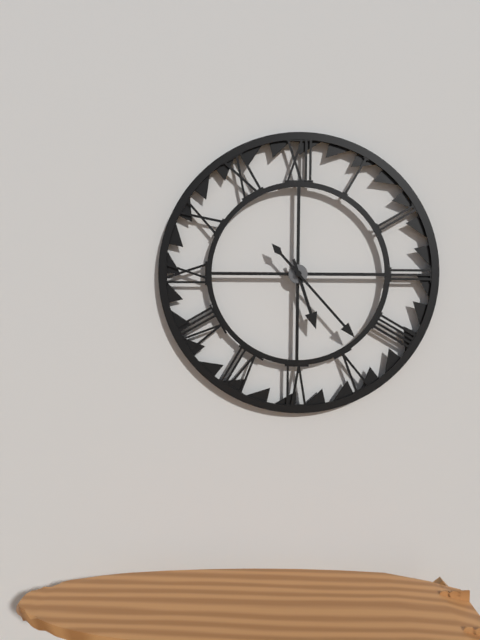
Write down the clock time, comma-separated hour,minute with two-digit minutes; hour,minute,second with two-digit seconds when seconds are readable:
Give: 5,23
